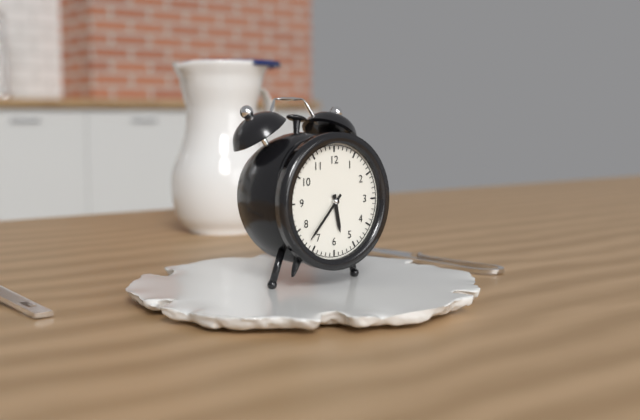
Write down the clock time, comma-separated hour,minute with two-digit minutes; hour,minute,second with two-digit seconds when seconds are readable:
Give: 5,37
